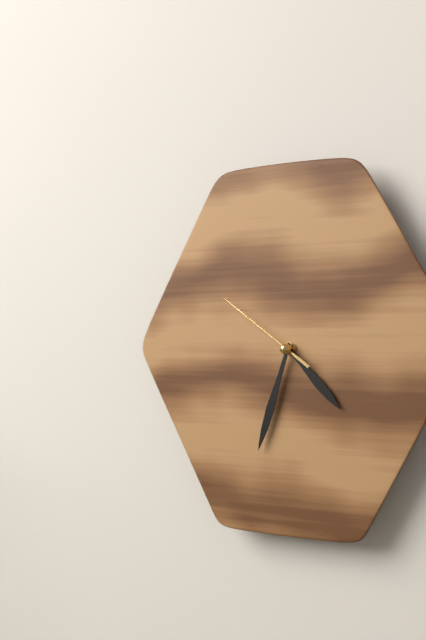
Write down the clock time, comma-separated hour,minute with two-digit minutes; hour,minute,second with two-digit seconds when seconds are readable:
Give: 4,33,51
